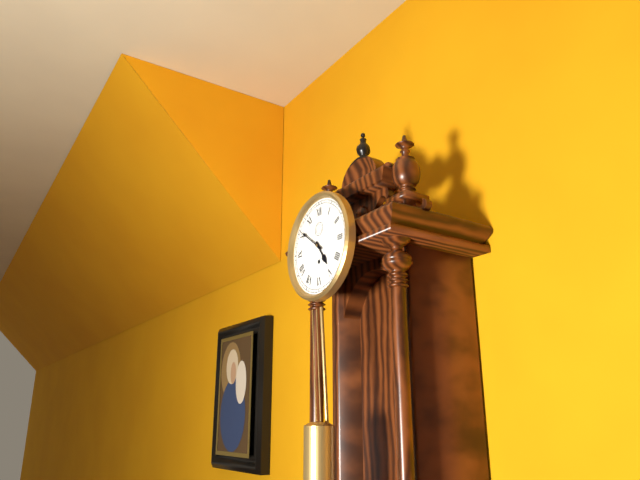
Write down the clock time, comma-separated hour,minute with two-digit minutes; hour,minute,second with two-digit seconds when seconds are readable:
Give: 4,51
